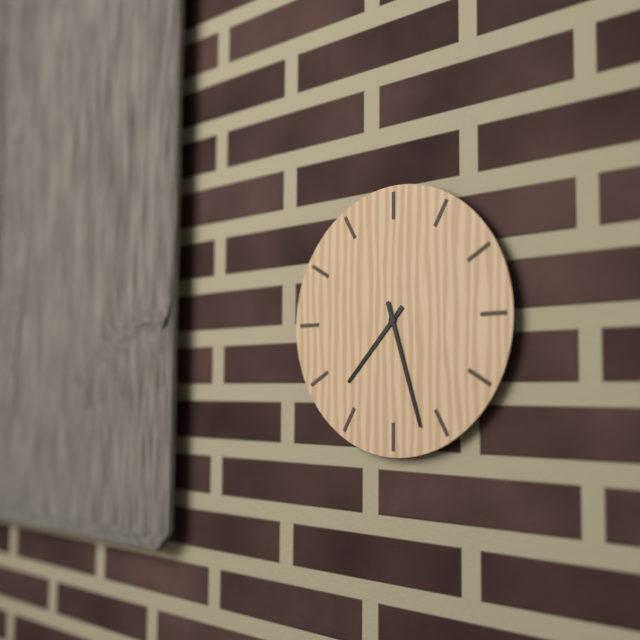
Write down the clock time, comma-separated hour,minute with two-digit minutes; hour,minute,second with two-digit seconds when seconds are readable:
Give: 7,27
